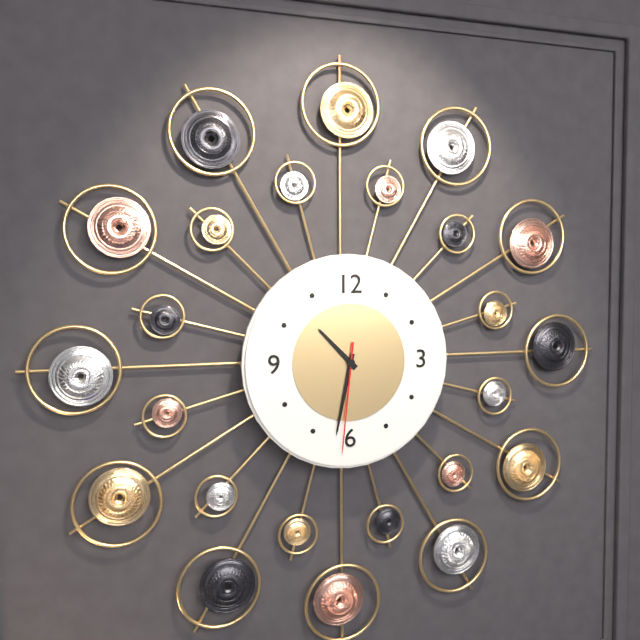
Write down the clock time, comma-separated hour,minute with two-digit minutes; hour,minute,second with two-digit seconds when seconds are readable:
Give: 10,32,31
